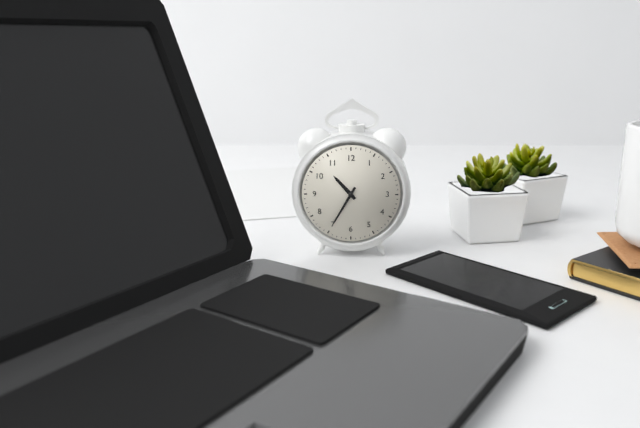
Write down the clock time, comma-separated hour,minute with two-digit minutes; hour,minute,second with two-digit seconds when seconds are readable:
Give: 10,35
